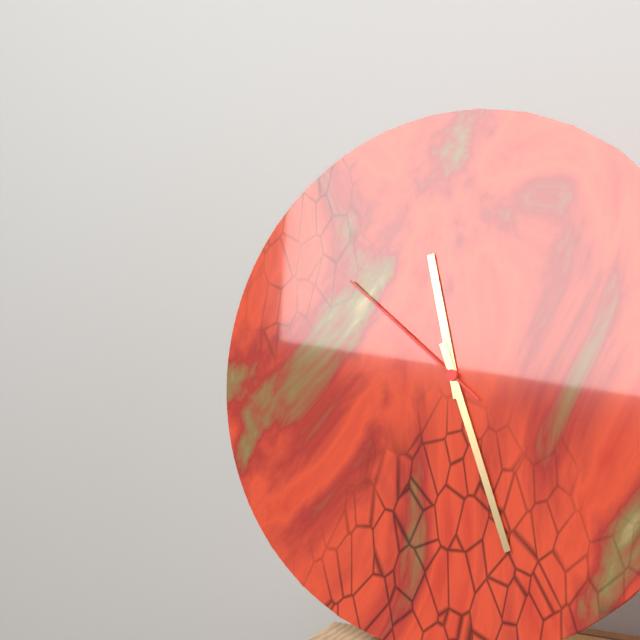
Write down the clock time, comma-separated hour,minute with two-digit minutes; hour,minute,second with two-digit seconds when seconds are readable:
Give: 11,26,51
